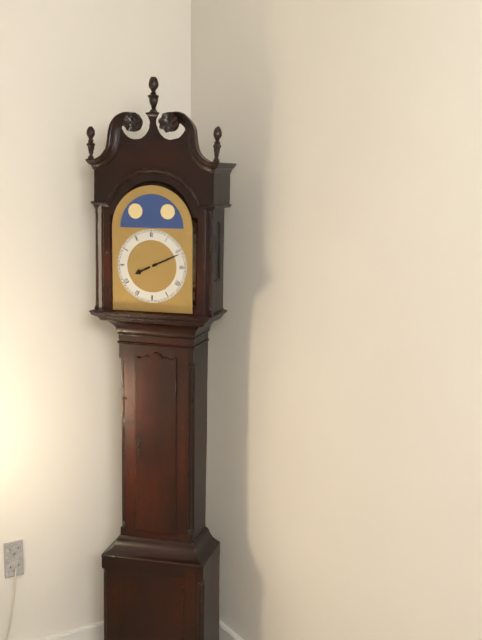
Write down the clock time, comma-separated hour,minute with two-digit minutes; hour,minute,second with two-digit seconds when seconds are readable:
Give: 8,11
